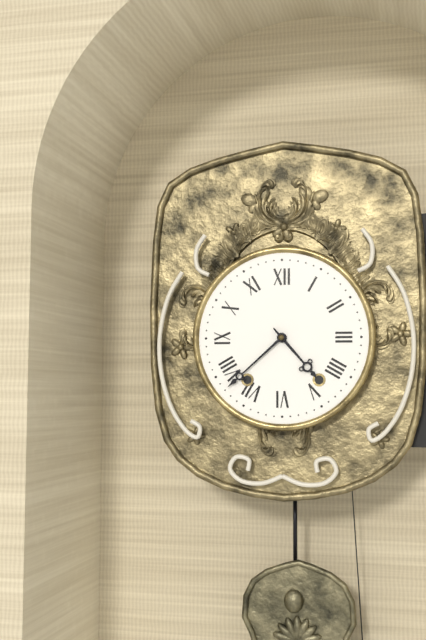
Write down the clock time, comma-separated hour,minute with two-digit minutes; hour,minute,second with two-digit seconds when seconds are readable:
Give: 4,38
